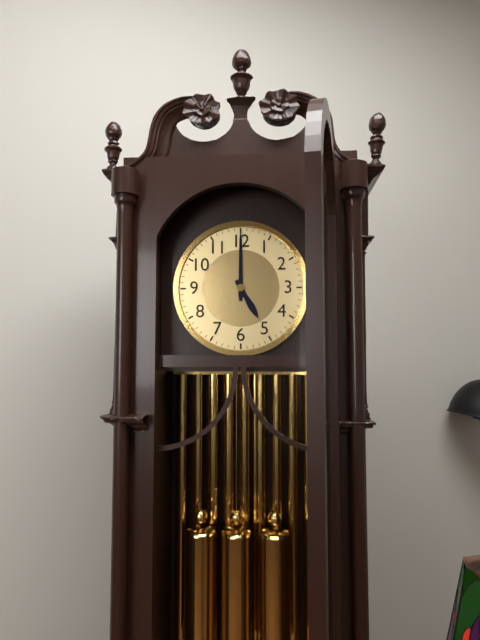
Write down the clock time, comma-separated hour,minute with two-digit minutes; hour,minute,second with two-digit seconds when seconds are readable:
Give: 5,00
